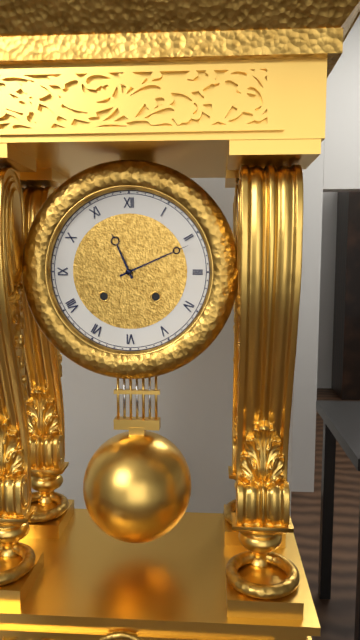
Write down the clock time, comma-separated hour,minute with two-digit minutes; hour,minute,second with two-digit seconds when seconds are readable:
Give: 11,11
